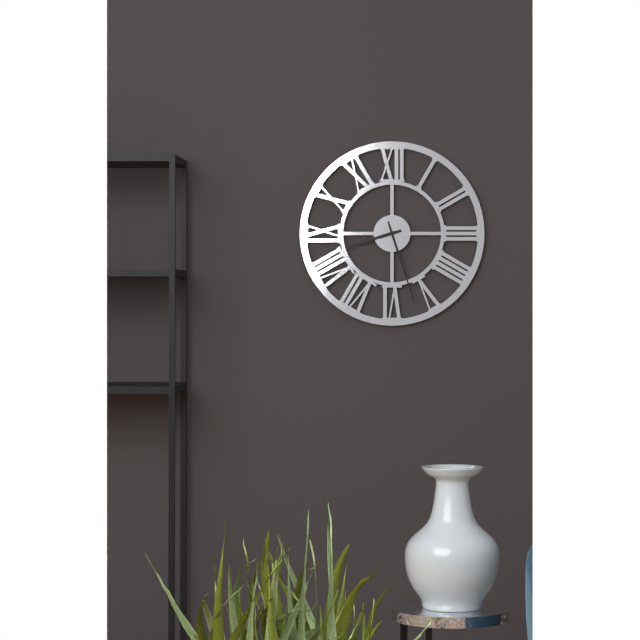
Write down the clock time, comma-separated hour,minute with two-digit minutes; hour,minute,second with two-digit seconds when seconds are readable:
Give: 8,27
